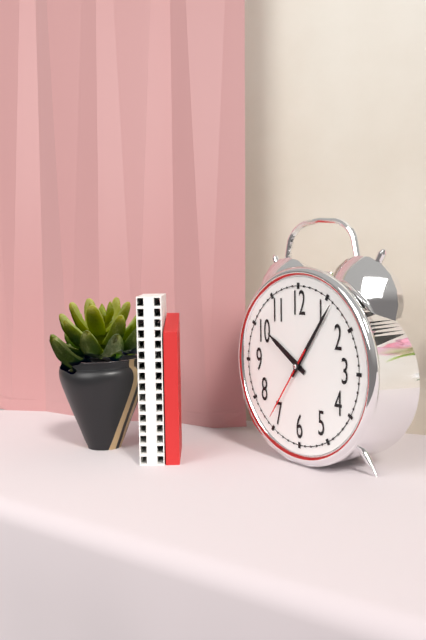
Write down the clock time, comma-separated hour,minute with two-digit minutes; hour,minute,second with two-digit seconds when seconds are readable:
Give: 10,06,36
